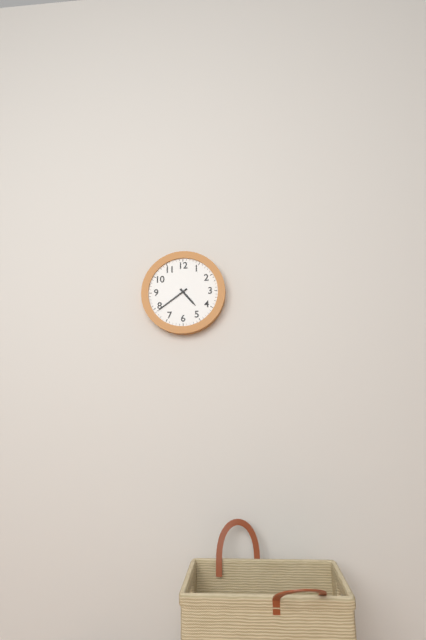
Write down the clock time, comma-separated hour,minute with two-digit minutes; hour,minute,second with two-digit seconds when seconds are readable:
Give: 4,39
